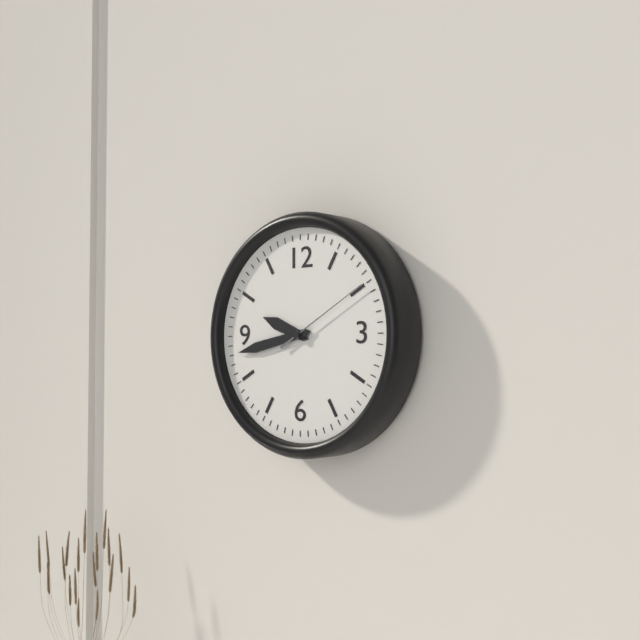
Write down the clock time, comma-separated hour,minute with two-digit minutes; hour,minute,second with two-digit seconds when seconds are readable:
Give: 9,43,10
